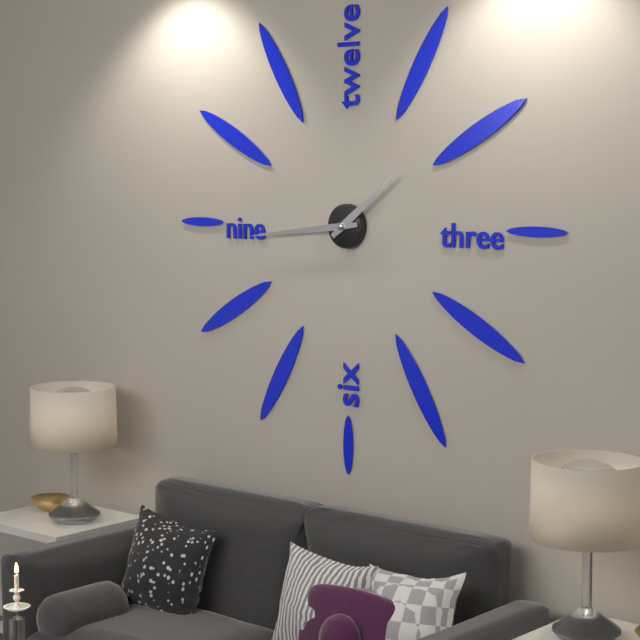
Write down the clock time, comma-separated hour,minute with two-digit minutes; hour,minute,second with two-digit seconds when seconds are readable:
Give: 1,44
